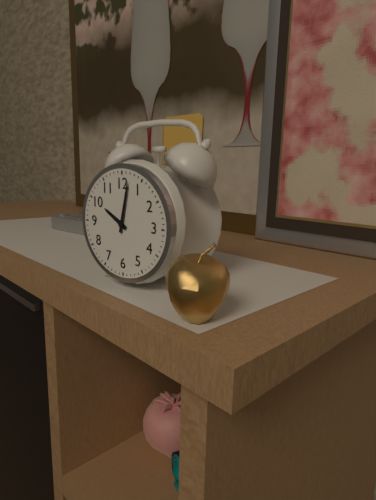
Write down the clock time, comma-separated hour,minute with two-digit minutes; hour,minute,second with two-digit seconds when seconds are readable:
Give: 10,02
